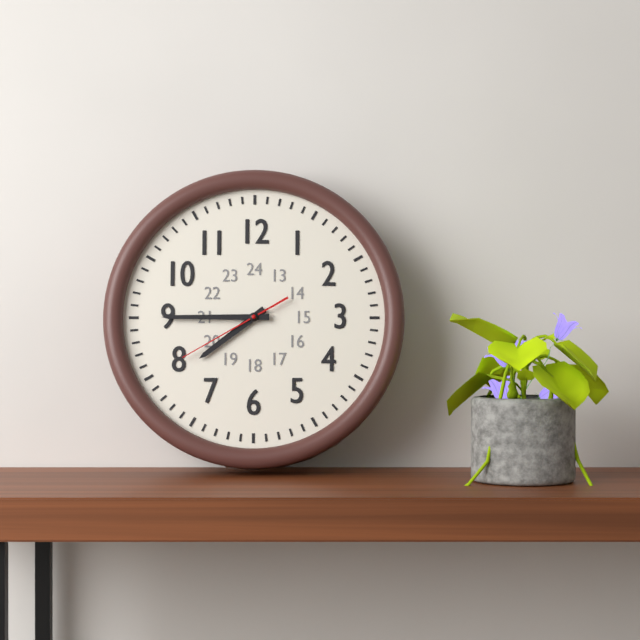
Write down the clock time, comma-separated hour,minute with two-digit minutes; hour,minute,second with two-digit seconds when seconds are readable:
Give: 7,45,40
